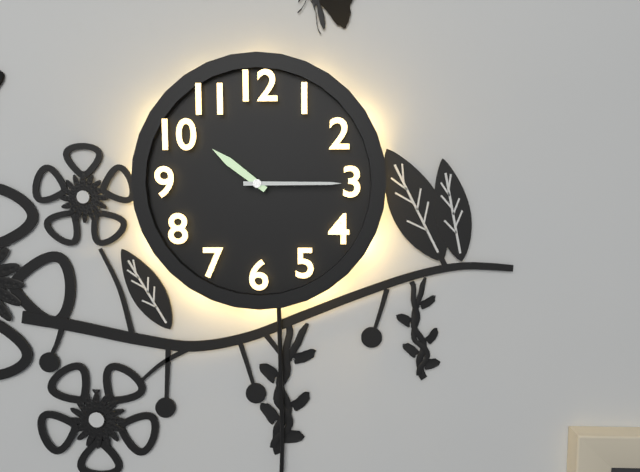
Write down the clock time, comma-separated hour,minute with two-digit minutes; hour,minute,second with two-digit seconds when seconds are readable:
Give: 10,15
